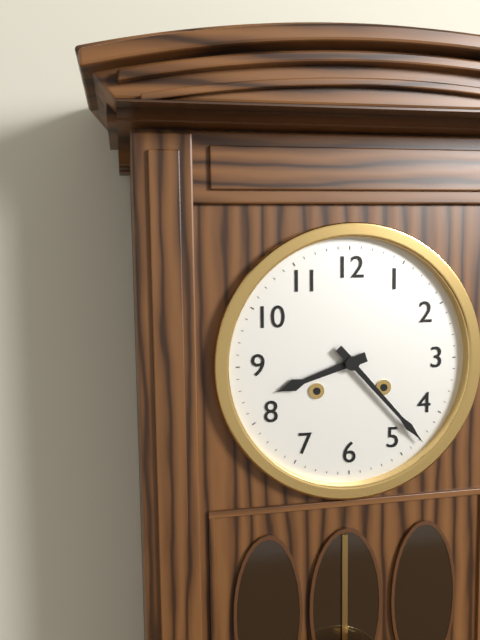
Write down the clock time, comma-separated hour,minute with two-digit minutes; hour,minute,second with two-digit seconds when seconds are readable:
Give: 8,23
